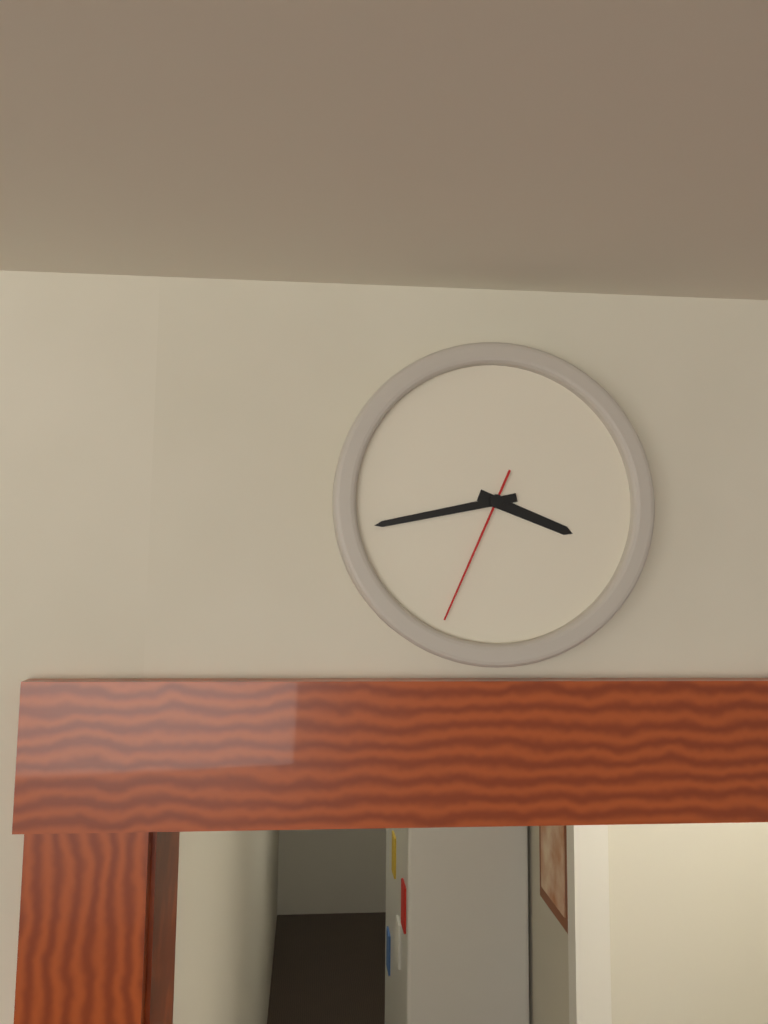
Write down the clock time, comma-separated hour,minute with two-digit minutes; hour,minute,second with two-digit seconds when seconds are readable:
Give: 3,43,34
